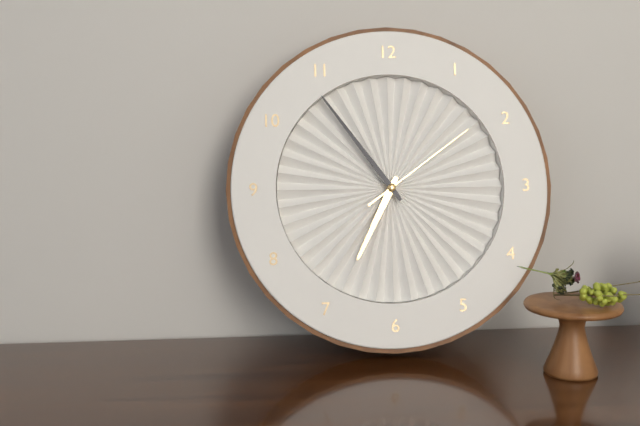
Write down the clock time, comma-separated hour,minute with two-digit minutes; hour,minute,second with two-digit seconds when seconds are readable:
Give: 6,54,09
